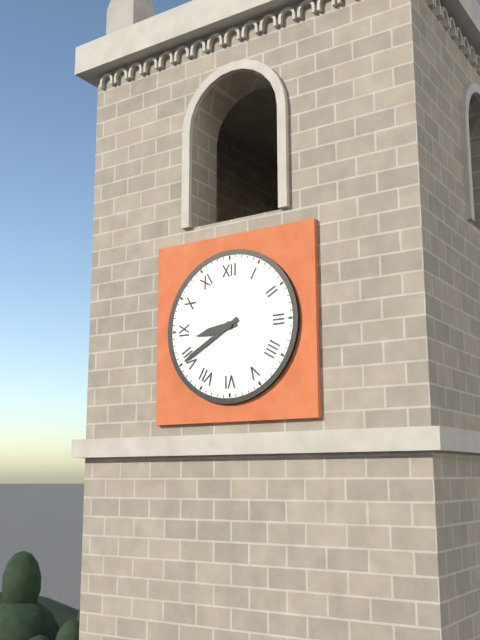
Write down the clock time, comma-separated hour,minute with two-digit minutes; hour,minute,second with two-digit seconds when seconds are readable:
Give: 8,40
